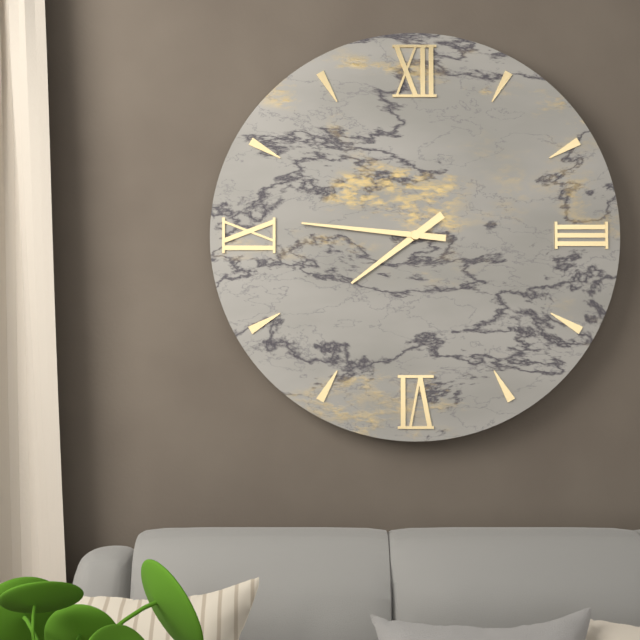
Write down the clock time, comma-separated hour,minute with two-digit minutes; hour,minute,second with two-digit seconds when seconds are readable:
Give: 7,46
